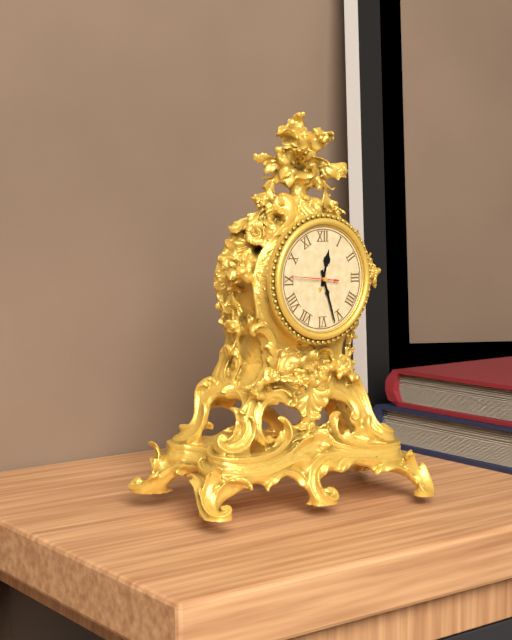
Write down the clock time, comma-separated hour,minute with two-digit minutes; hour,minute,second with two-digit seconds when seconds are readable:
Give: 12,27
